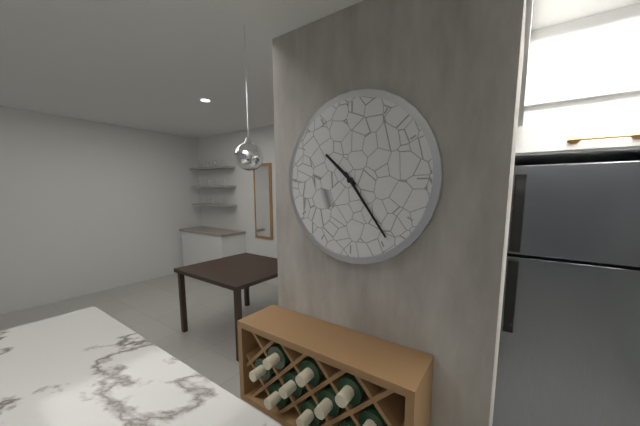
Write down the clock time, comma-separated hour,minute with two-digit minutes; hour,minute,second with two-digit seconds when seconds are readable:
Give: 10,24
